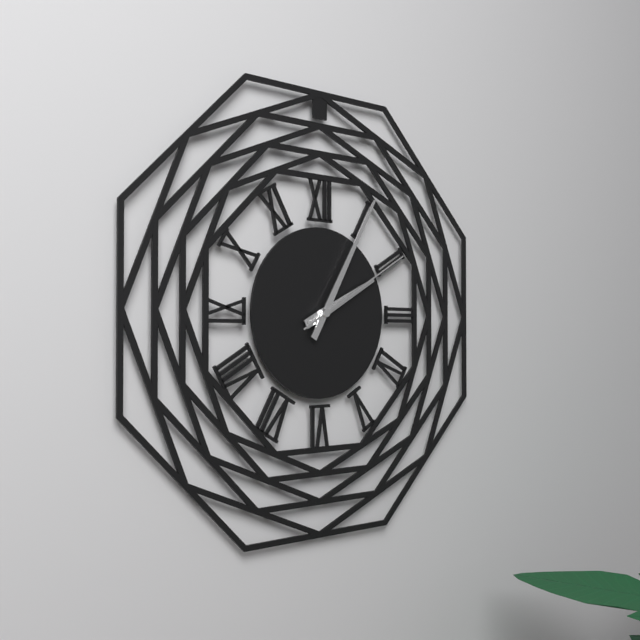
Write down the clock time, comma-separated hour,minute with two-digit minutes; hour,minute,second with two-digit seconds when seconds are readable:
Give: 2,05,10
